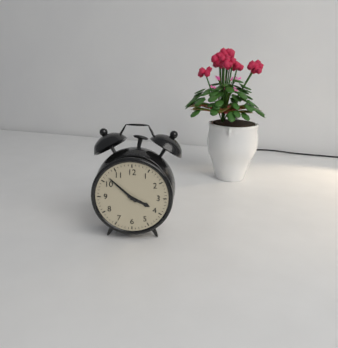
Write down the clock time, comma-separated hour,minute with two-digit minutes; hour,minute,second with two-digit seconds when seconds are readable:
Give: 3,52
